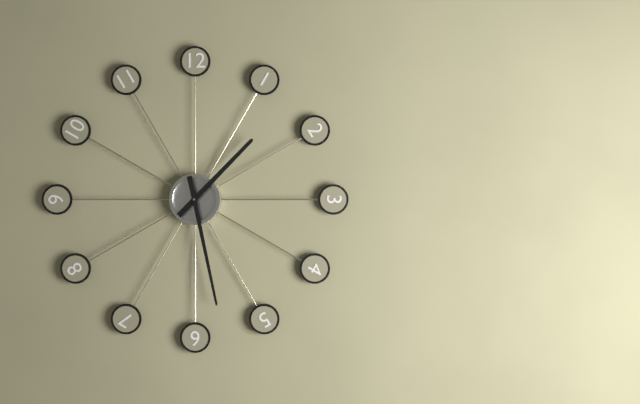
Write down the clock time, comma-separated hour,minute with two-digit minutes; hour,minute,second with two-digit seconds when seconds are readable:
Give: 1,28
